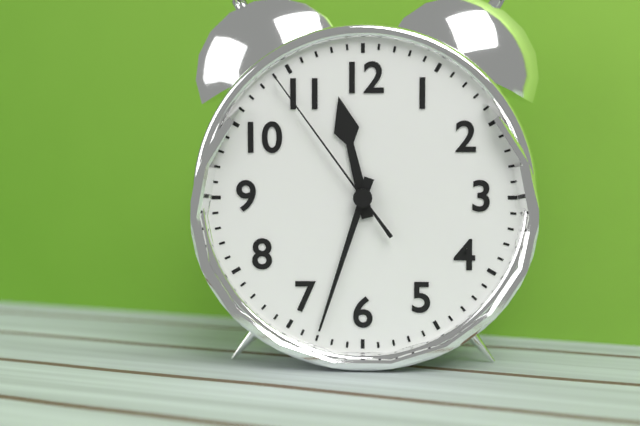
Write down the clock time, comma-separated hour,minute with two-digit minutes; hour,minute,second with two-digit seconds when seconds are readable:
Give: 11,33,54
